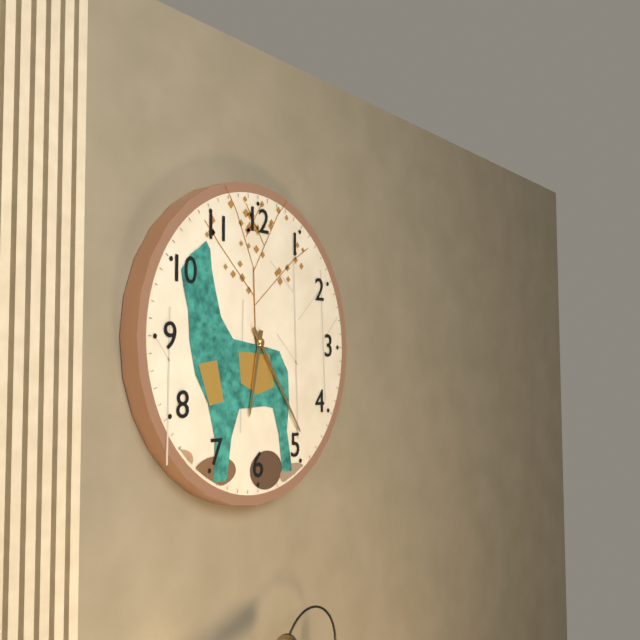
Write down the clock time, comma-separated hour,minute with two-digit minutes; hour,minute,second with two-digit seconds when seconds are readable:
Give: 6,24
